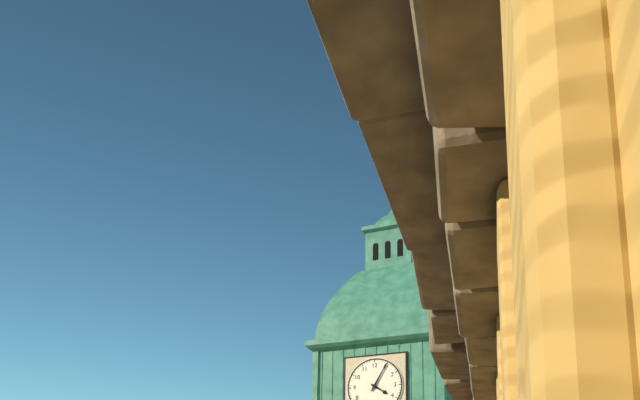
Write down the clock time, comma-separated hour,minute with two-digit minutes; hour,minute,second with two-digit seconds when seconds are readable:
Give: 4,05
